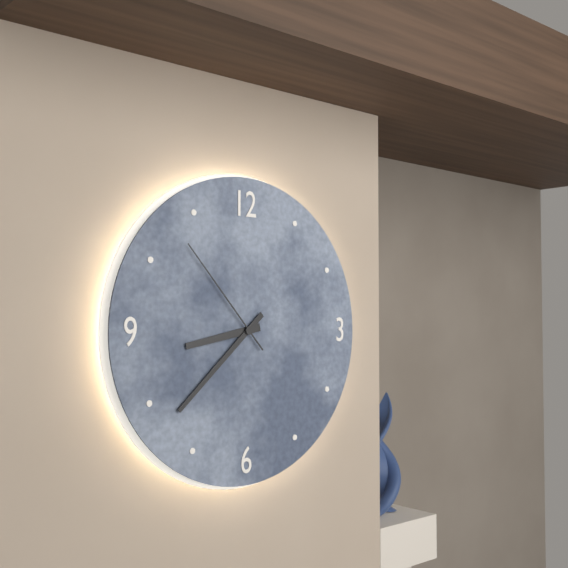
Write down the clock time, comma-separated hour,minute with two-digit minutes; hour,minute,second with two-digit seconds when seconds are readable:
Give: 8,38,53
